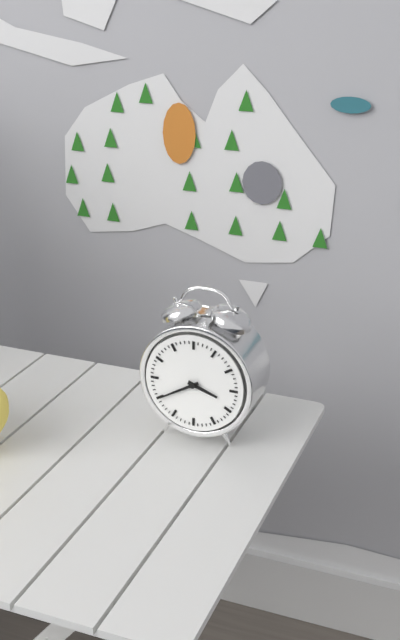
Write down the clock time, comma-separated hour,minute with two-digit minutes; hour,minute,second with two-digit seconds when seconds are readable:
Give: 3,40
